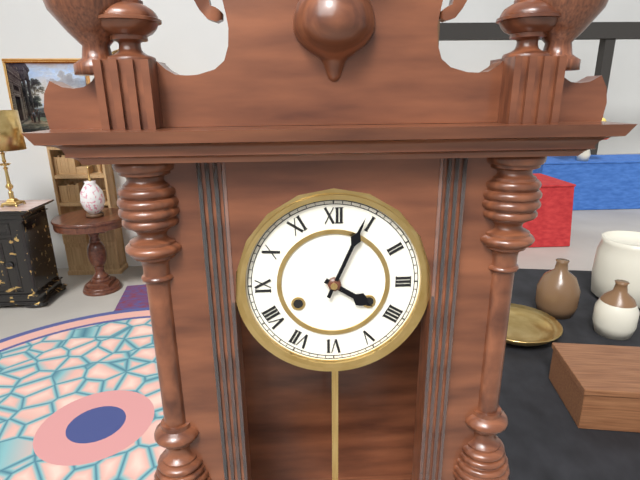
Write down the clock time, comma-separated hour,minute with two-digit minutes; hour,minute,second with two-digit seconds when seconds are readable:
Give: 4,04
